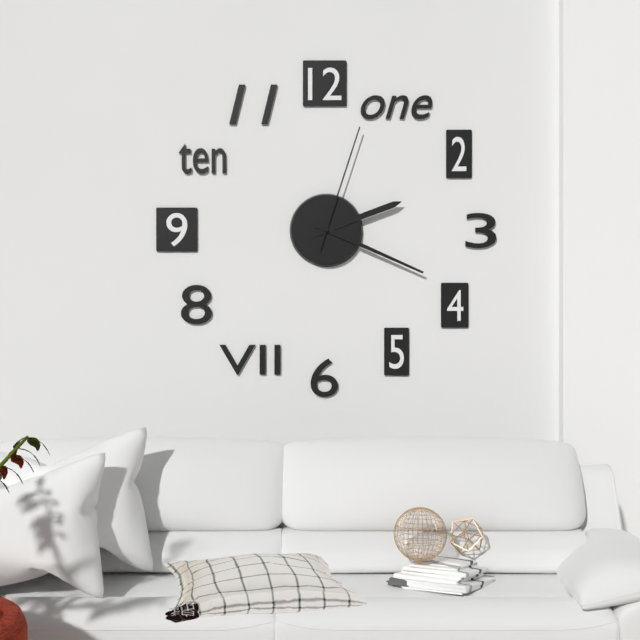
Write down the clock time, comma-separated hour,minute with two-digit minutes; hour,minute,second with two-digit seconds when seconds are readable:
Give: 2,19,03
